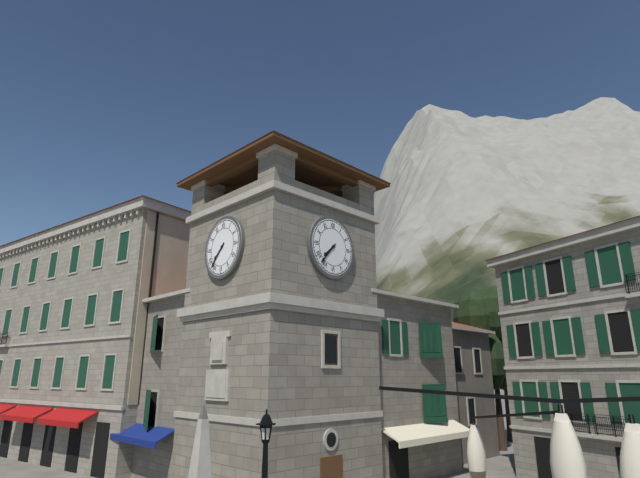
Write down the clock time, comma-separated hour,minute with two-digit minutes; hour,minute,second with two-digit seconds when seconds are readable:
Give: 7,37
